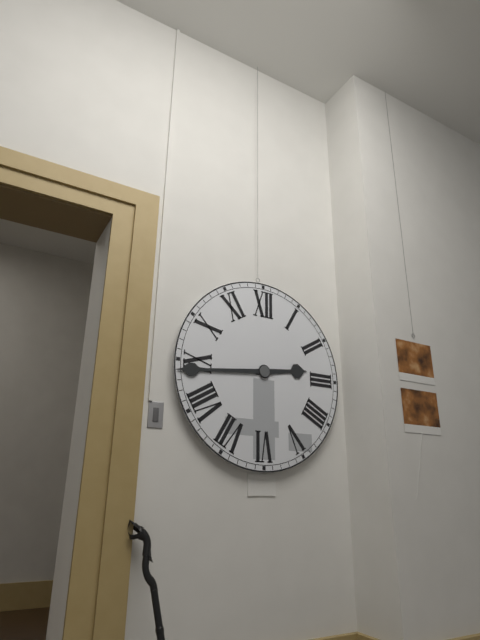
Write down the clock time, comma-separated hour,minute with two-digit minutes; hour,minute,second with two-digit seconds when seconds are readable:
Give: 2,44
